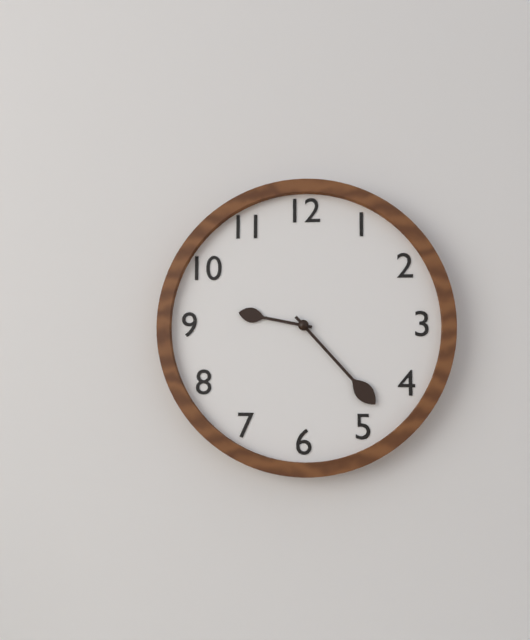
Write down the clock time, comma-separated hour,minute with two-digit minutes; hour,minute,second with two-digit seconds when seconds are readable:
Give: 9,23
